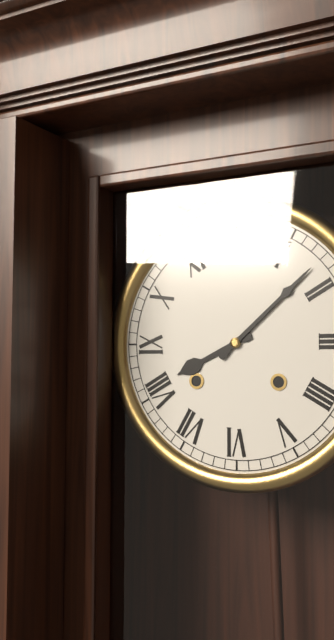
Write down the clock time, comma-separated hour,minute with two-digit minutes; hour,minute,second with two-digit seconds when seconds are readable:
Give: 8,08
